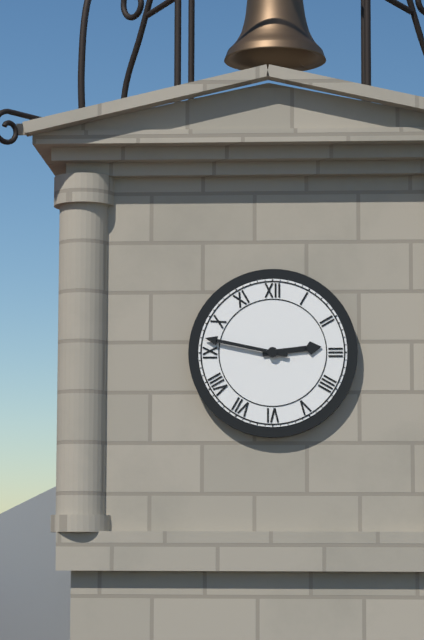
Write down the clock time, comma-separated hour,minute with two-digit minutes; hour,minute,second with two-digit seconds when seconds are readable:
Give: 2,47
